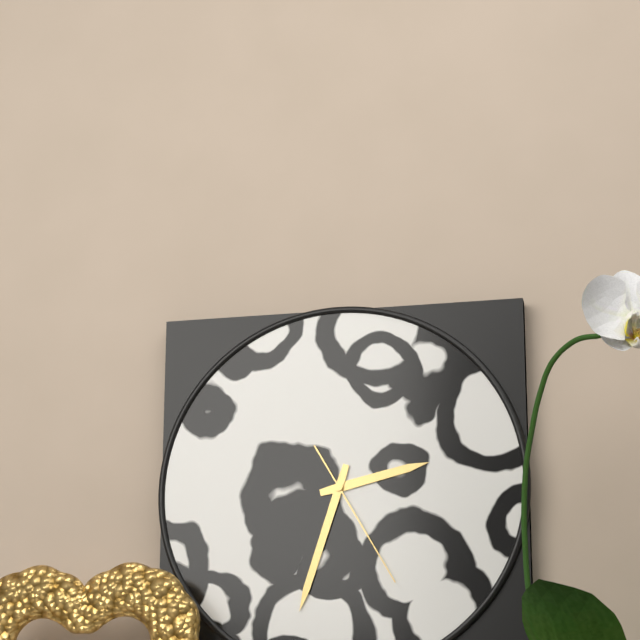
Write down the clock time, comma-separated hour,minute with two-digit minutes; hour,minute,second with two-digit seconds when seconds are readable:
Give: 2,33,25
